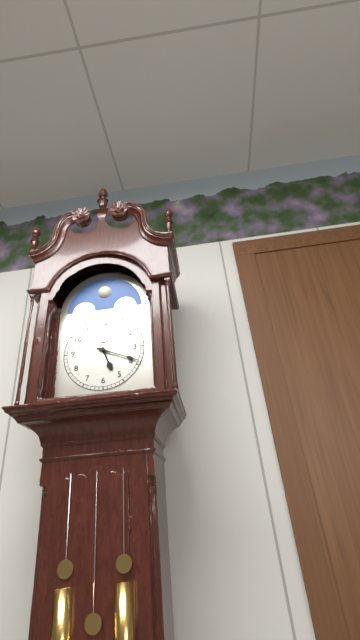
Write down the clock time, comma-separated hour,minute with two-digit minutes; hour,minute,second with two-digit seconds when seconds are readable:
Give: 5,19
